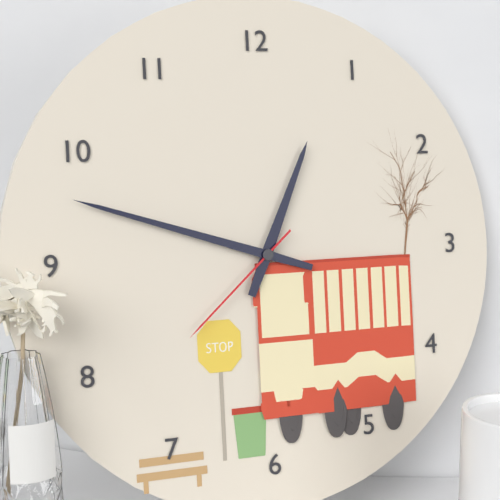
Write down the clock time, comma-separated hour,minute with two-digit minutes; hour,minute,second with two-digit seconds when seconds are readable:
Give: 12,48,38
